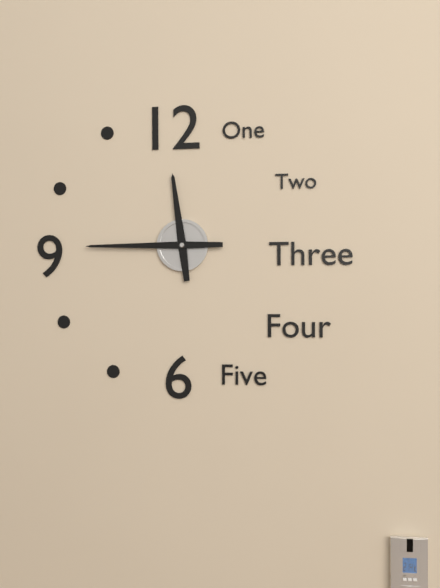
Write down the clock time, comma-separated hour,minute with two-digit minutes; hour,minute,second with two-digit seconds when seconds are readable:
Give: 11,45
